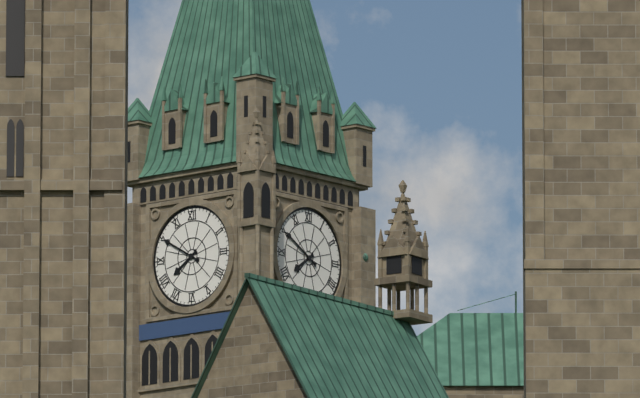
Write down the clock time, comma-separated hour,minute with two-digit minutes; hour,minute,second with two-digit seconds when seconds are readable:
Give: 7,50
